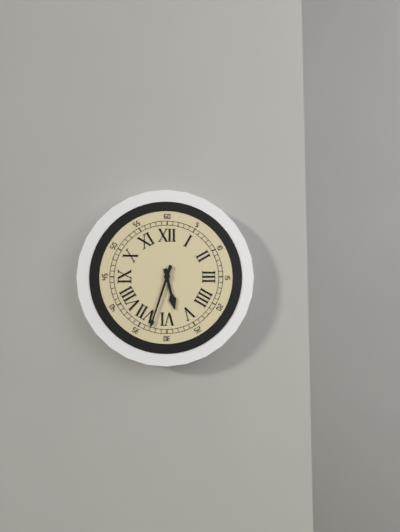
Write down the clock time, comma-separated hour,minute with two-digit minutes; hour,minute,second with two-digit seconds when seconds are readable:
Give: 5,33
